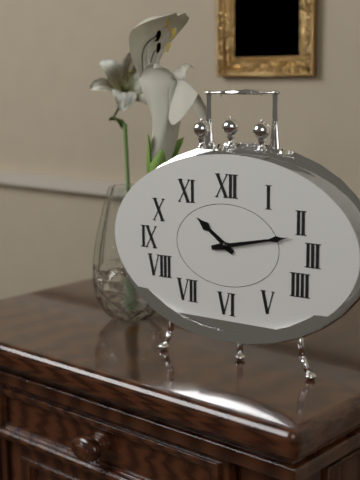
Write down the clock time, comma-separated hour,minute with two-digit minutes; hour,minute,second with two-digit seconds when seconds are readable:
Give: 10,13
